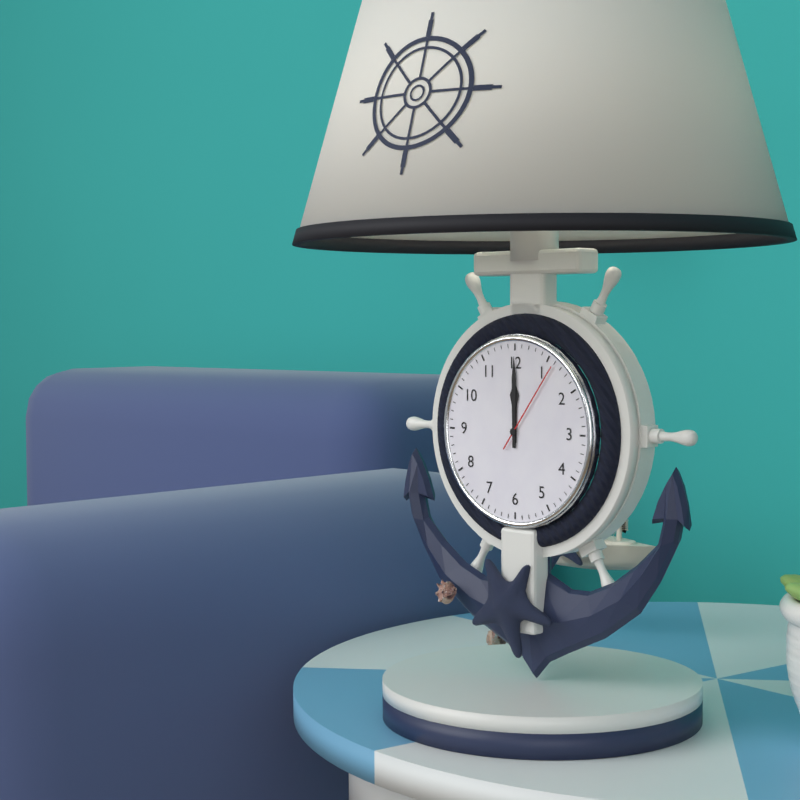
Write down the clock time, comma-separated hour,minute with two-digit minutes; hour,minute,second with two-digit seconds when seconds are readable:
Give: 12,00,06
